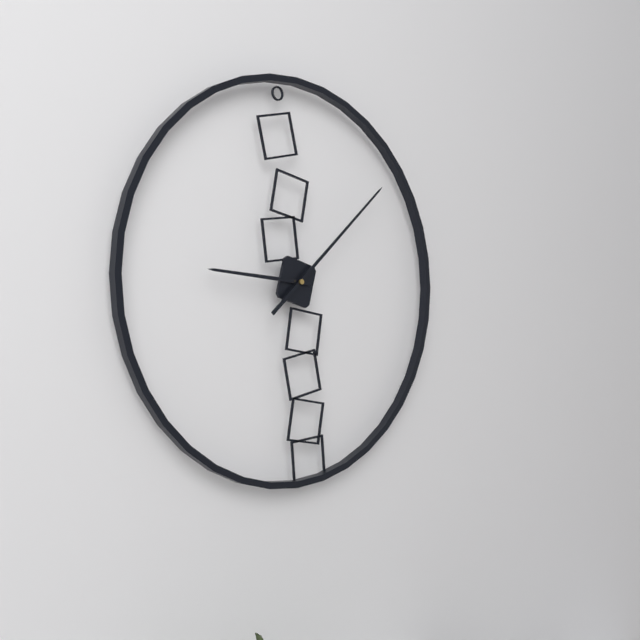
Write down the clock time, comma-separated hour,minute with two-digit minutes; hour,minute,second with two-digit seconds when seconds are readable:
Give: 9,08
